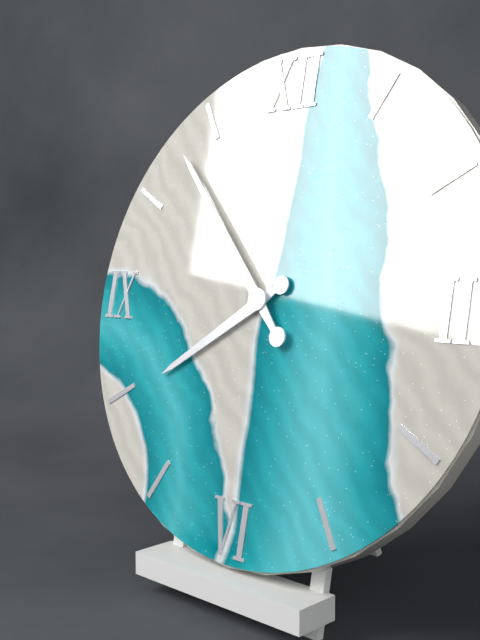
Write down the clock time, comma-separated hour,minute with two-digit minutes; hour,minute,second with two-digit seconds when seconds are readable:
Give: 7,53
